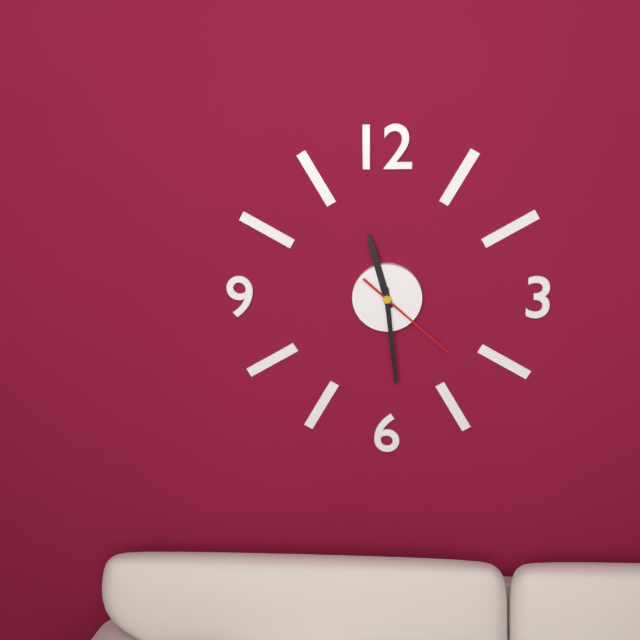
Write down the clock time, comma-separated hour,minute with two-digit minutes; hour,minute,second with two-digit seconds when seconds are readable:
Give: 11,29,22
